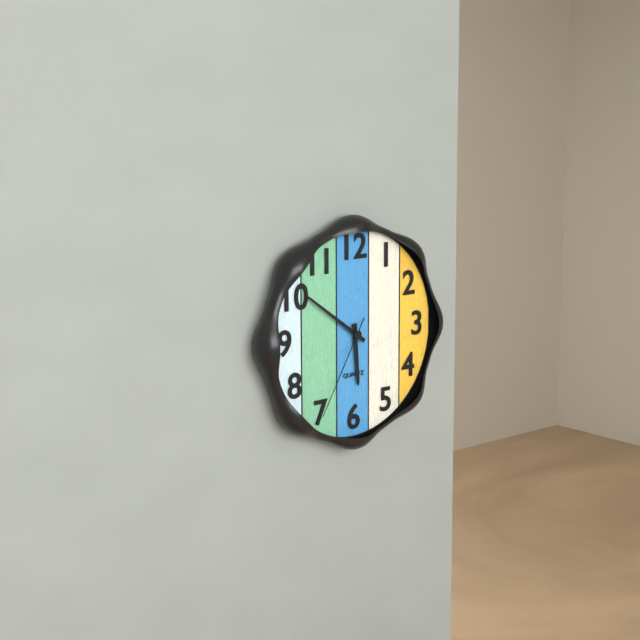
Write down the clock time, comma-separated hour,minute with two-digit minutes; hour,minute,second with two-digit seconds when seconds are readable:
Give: 5,51,35
